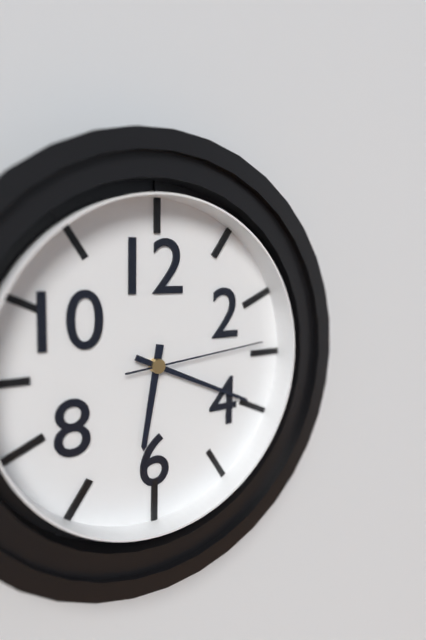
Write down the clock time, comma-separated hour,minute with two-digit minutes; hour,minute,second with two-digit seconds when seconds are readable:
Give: 6,19,14
